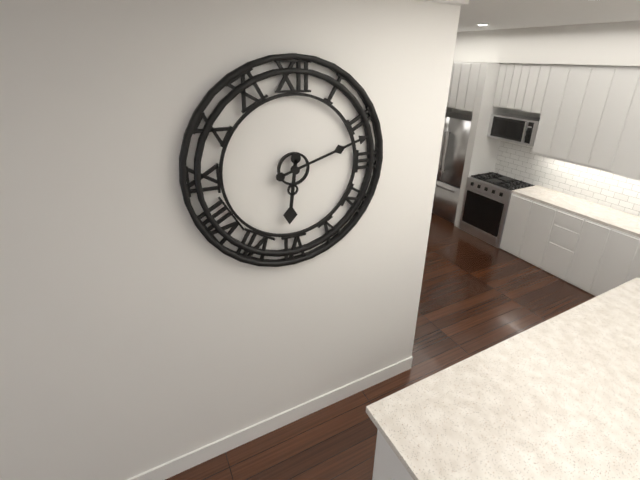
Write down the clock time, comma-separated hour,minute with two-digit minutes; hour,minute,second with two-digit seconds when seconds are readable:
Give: 6,12
